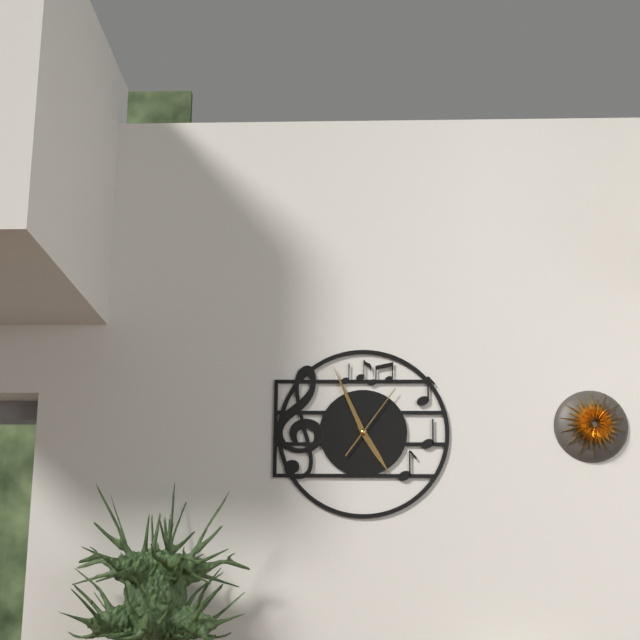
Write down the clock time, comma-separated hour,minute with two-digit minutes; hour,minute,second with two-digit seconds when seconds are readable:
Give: 4,56,06
